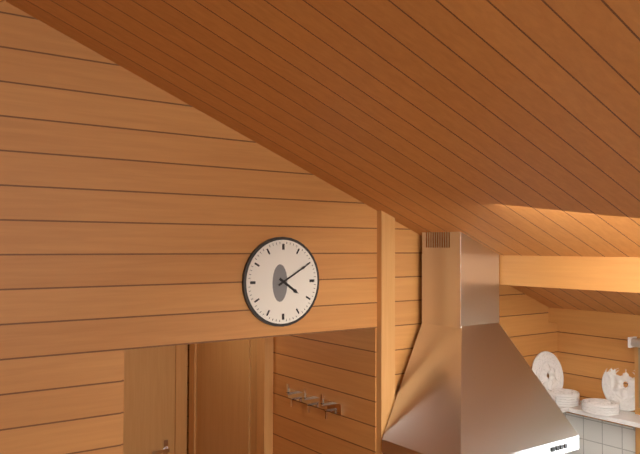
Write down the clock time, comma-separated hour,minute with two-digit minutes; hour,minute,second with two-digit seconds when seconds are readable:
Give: 4,10
